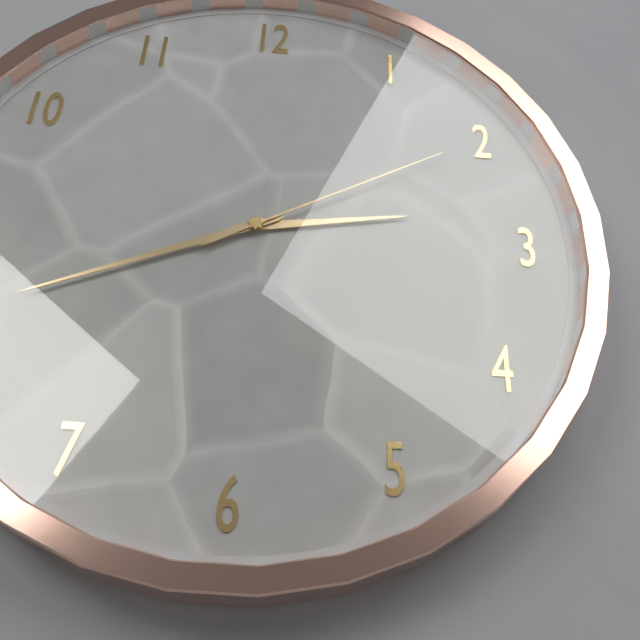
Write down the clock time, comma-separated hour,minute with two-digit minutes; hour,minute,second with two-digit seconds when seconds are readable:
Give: 2,41,10
